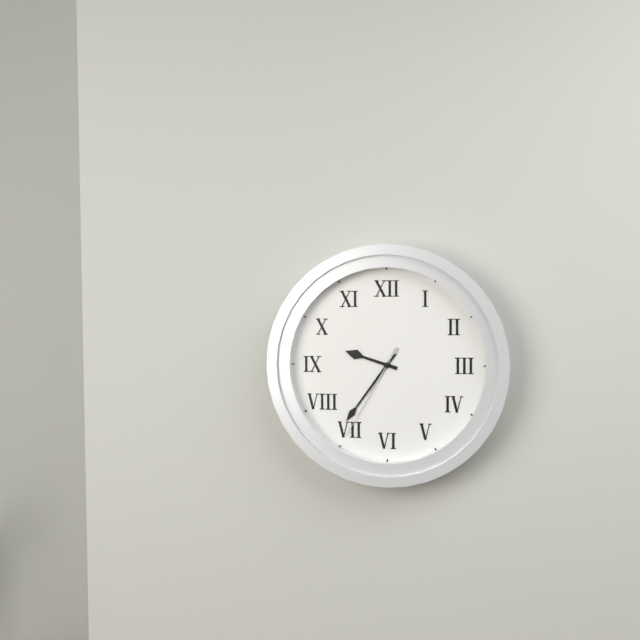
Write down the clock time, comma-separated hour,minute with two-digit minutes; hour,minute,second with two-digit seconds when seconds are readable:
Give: 9,36,35
